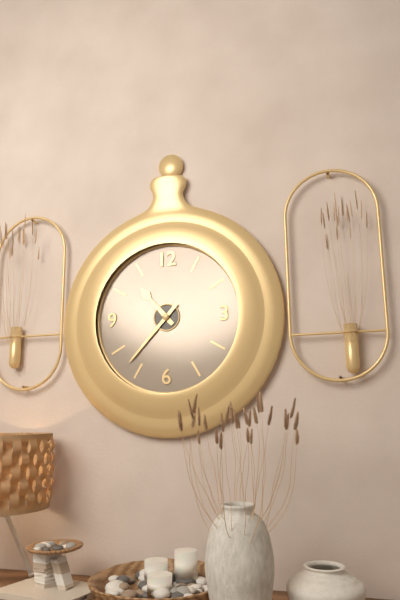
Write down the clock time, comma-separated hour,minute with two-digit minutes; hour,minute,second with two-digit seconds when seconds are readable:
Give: 10,37
